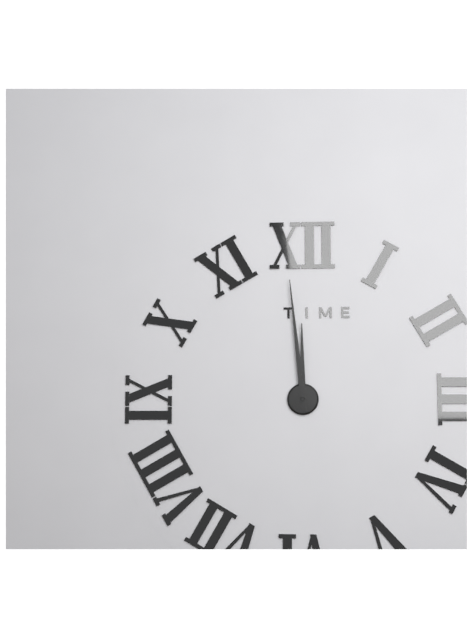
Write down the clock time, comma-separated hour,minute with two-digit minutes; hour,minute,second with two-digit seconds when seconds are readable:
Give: 11,59
